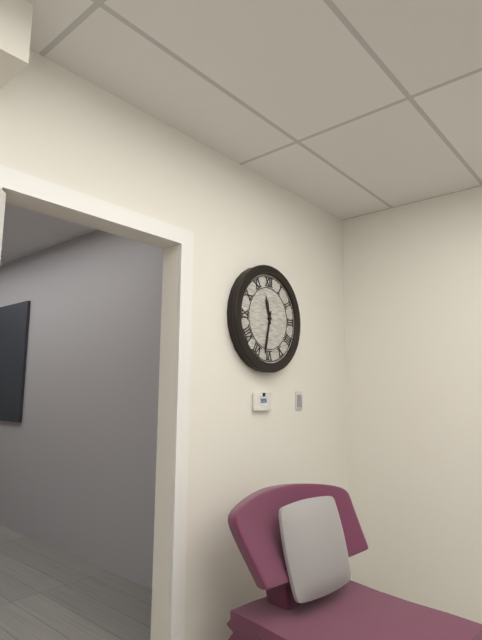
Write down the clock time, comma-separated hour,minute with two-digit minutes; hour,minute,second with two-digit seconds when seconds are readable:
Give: 11,32
